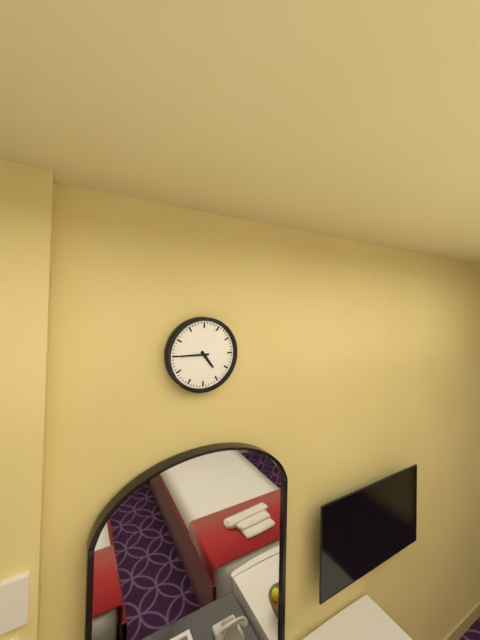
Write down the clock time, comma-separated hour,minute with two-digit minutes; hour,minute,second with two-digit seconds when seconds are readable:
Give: 4,45
